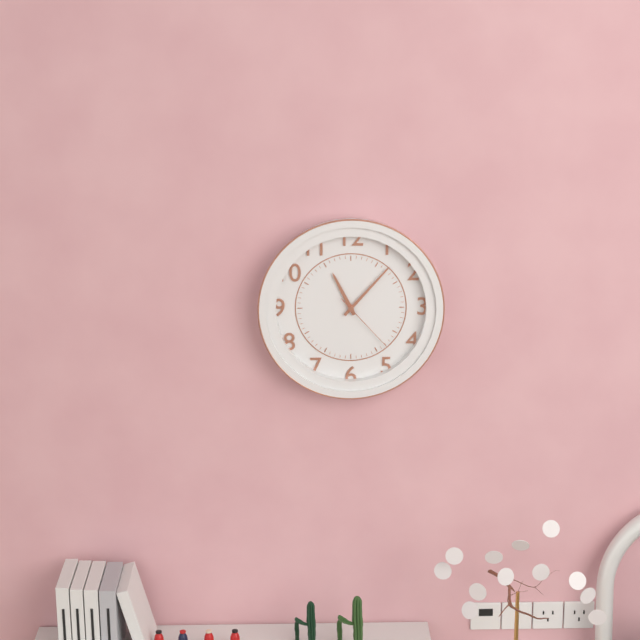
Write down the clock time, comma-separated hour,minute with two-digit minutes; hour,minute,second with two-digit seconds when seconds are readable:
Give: 11,07,23
